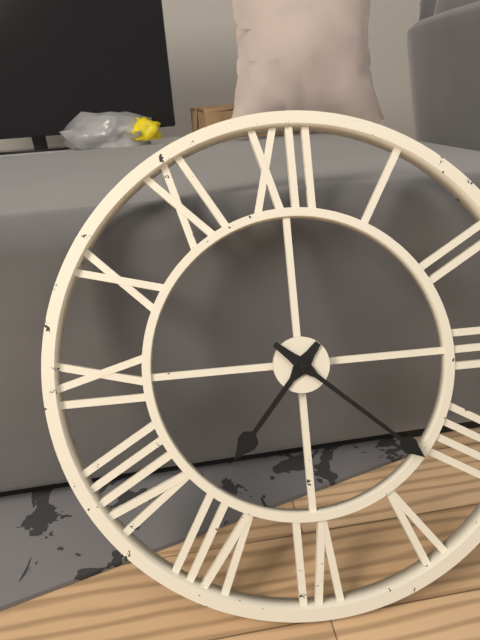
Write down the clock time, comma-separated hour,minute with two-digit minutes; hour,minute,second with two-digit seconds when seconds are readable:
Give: 7,22
